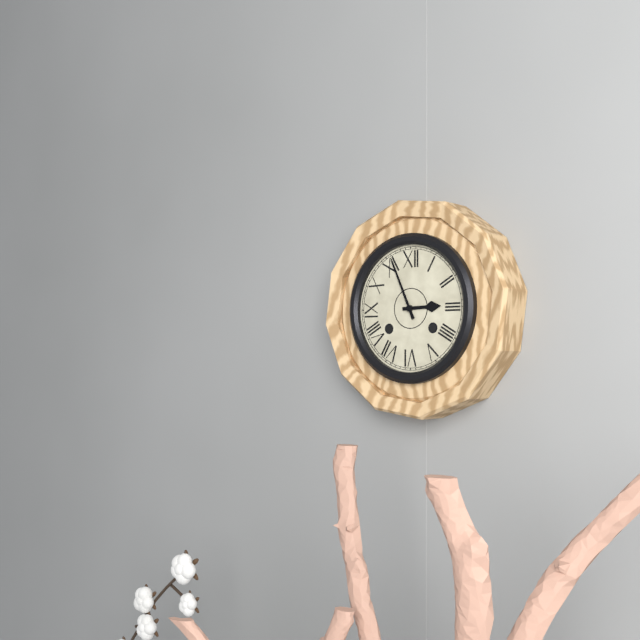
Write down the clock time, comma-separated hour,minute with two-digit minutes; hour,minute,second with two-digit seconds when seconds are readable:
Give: 2,56
